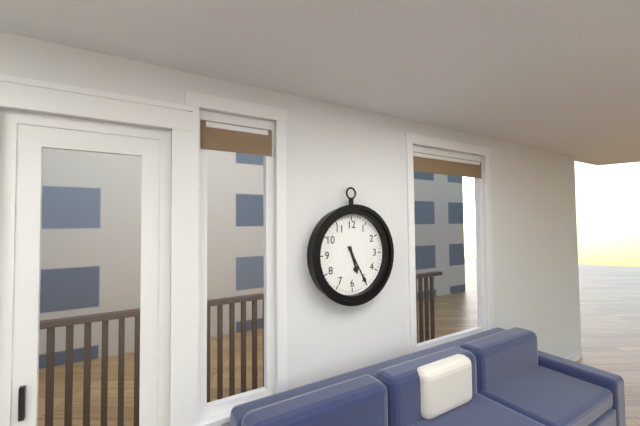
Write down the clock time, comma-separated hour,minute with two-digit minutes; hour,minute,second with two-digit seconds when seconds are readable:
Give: 5,25
